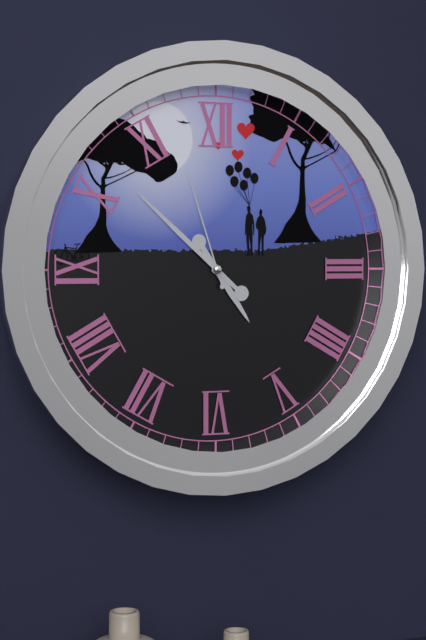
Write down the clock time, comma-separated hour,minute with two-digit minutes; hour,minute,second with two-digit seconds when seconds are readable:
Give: 4,52,57
